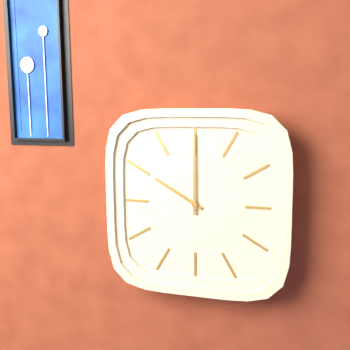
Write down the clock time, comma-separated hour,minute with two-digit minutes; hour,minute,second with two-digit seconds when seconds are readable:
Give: 10,00
